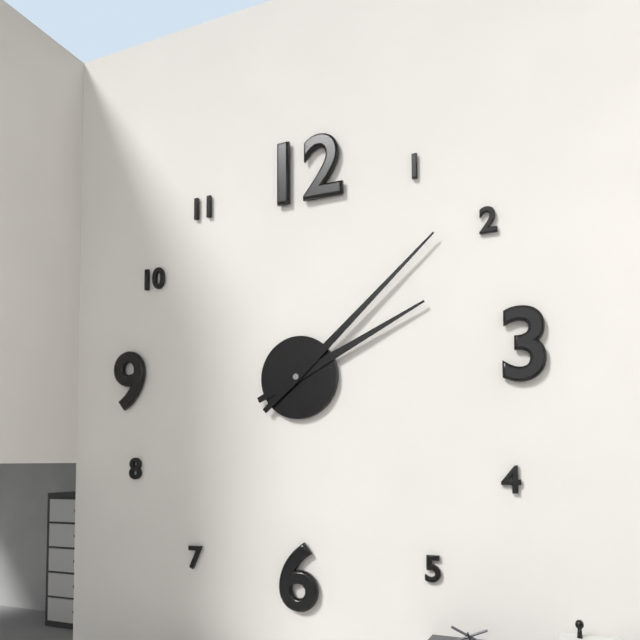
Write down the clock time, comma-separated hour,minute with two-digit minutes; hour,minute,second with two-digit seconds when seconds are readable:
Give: 2,08
